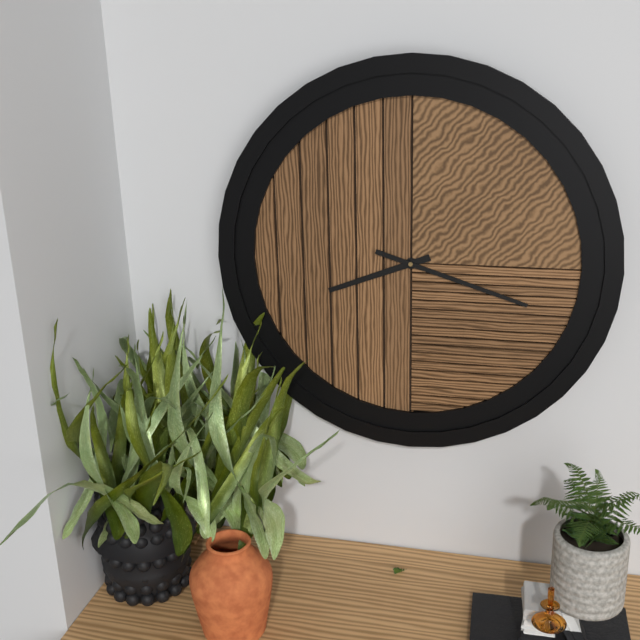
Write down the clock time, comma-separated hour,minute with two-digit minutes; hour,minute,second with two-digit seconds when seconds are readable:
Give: 8,18
